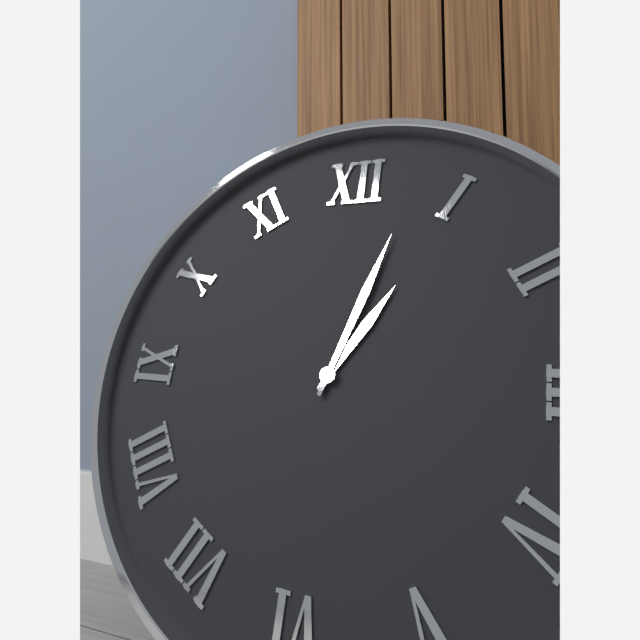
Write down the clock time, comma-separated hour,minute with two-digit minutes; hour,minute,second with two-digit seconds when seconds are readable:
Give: 1,03
